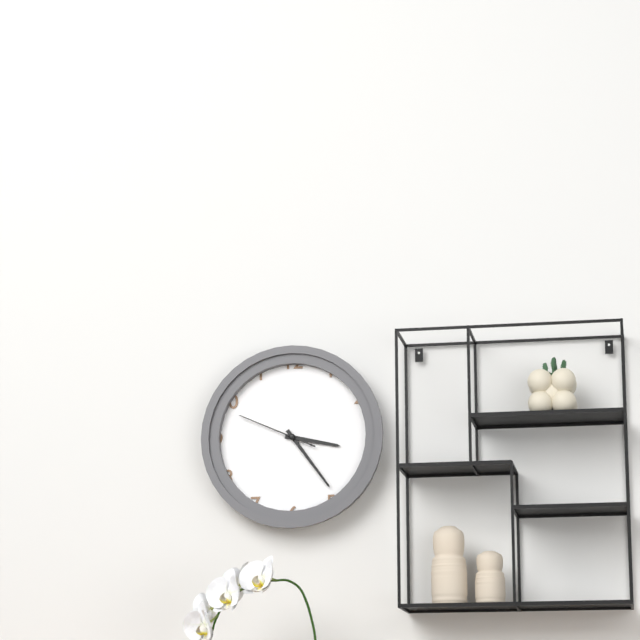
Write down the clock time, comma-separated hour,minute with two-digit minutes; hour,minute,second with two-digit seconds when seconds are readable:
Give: 3,24,49
